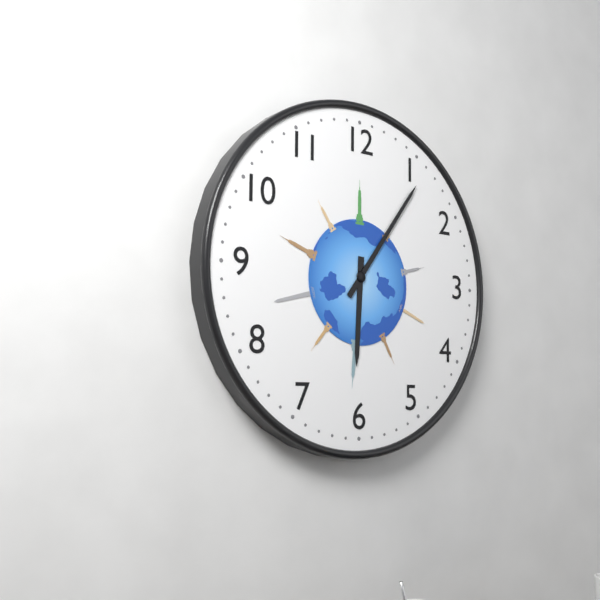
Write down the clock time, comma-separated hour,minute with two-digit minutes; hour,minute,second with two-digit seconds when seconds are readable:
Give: 6,06
